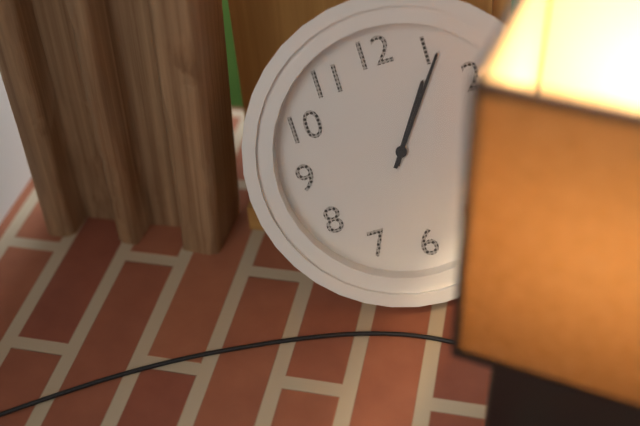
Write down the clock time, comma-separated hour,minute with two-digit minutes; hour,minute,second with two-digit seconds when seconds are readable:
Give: 1,06
